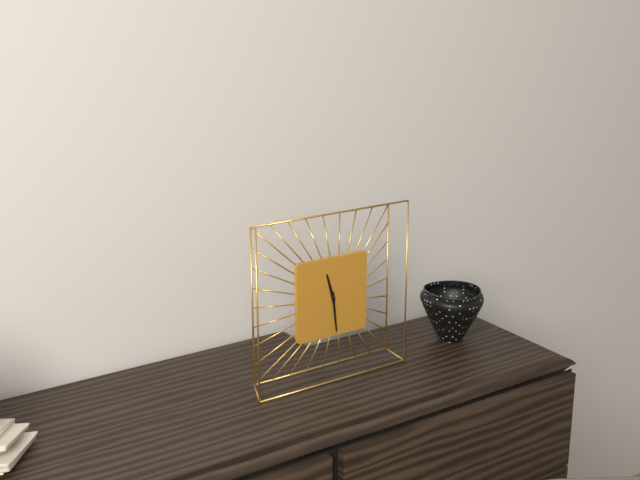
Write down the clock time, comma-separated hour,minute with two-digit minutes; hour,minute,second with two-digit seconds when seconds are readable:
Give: 11,29
